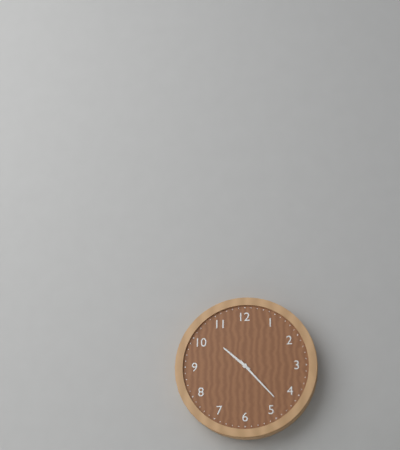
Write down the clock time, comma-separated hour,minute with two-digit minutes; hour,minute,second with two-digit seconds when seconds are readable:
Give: 10,23
